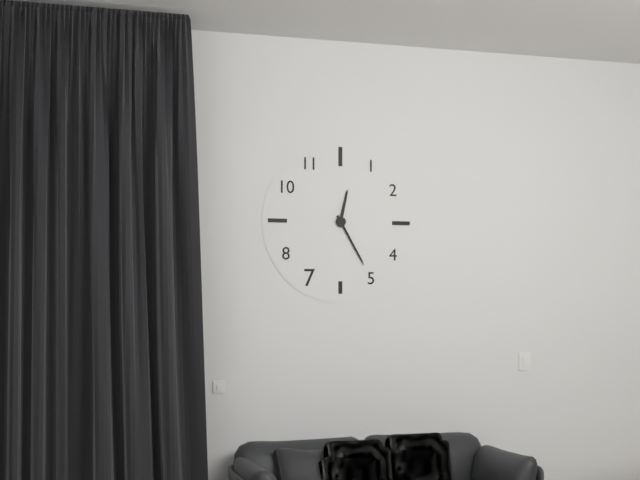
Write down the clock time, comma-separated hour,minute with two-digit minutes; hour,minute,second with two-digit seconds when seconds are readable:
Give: 12,25
